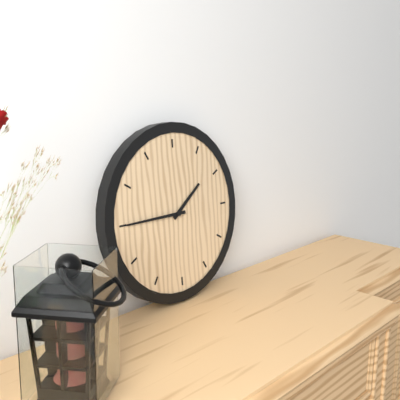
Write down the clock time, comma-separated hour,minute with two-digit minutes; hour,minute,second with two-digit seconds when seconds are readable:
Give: 1,45
